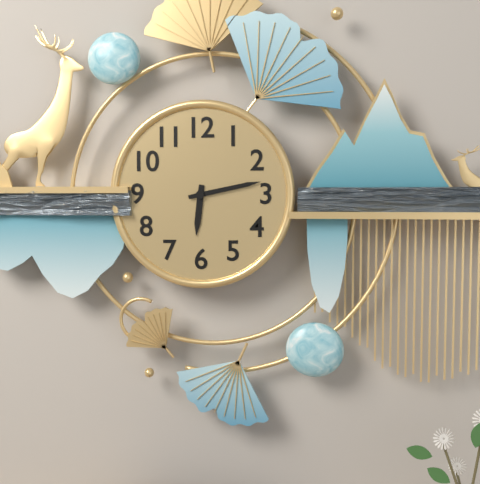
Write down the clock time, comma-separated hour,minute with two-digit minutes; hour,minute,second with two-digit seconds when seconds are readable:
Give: 6,13
